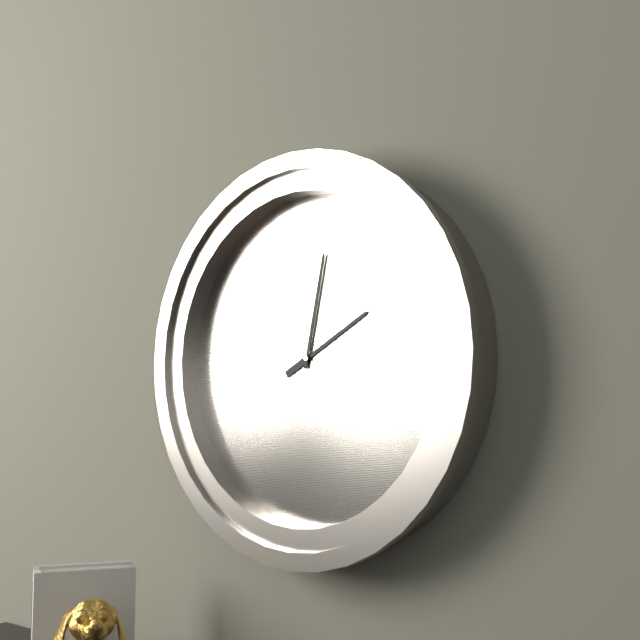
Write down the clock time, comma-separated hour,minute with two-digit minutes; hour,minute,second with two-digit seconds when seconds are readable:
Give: 2,02
